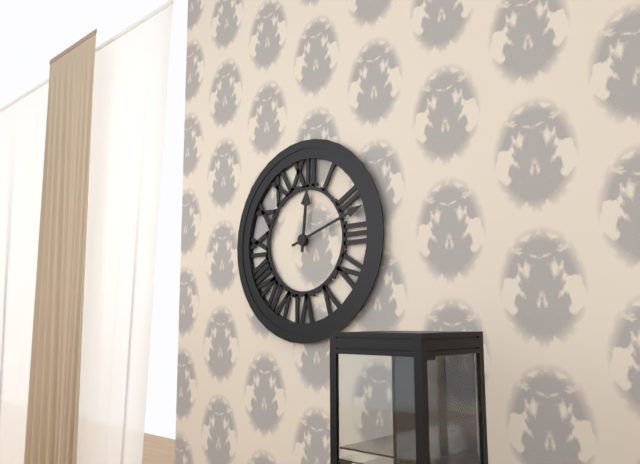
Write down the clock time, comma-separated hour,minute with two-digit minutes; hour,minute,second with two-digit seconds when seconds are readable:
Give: 12,12
